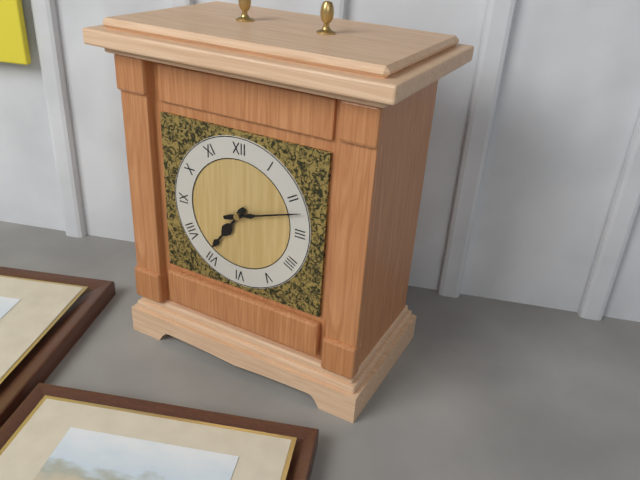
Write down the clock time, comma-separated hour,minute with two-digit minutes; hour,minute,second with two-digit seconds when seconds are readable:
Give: 7,12
